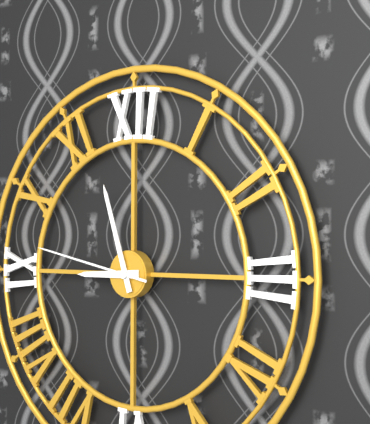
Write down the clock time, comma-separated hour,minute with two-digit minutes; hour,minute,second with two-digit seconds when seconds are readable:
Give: 8,57,47
